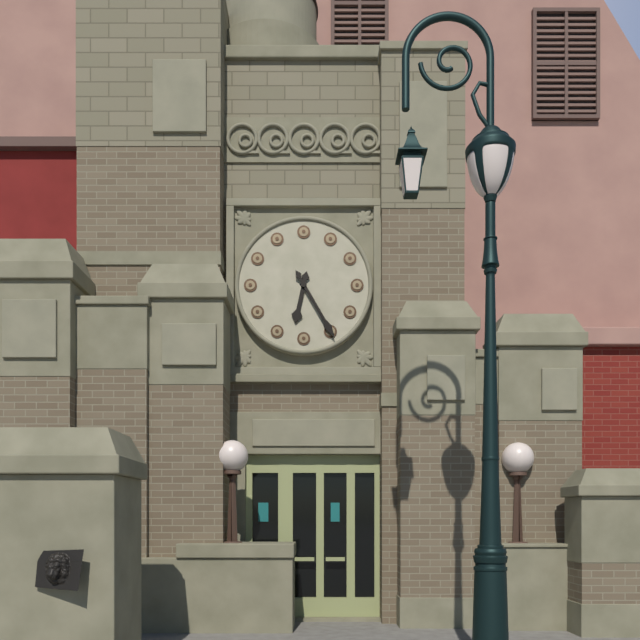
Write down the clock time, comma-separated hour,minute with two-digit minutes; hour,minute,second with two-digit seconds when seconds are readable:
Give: 6,25
